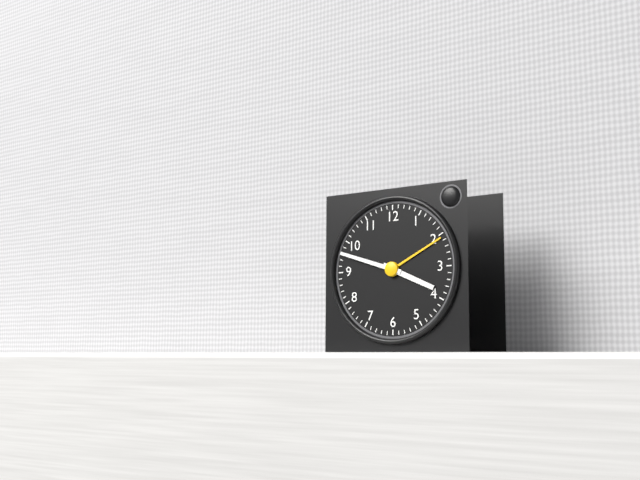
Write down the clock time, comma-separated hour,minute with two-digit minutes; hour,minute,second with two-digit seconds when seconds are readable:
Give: 3,48
